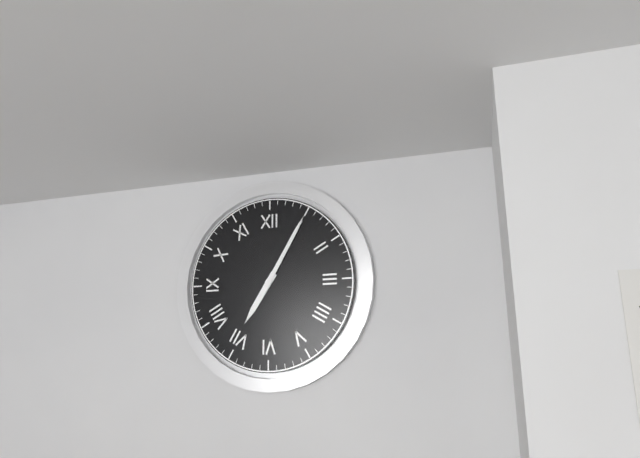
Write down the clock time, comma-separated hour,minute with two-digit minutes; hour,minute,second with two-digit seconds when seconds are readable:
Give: 7,05
